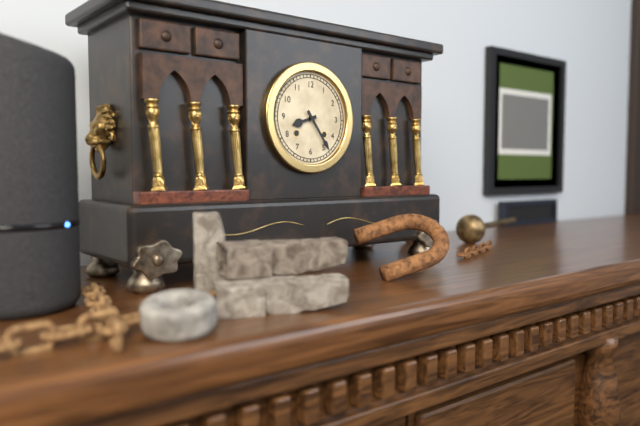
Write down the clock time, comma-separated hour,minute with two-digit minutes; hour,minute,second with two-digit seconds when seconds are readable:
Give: 8,24
